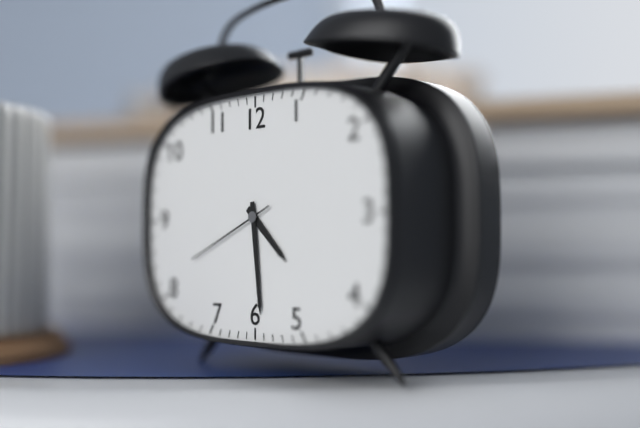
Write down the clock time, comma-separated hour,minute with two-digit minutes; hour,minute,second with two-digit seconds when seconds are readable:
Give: 4,29,41
